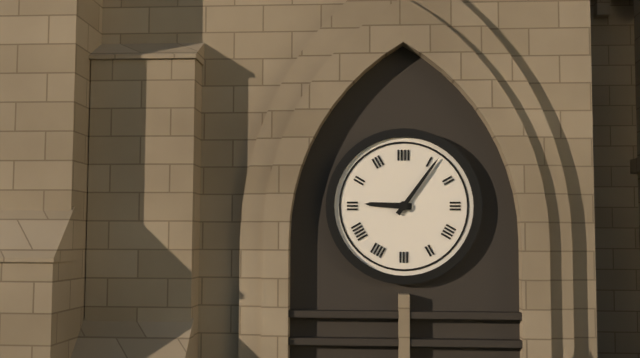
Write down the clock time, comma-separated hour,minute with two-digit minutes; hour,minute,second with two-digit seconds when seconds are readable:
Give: 9,06
